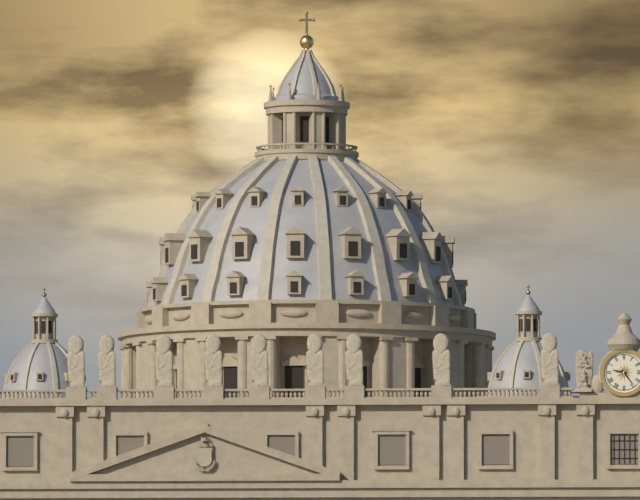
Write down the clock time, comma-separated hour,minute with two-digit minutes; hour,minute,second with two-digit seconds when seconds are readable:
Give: 9,24
